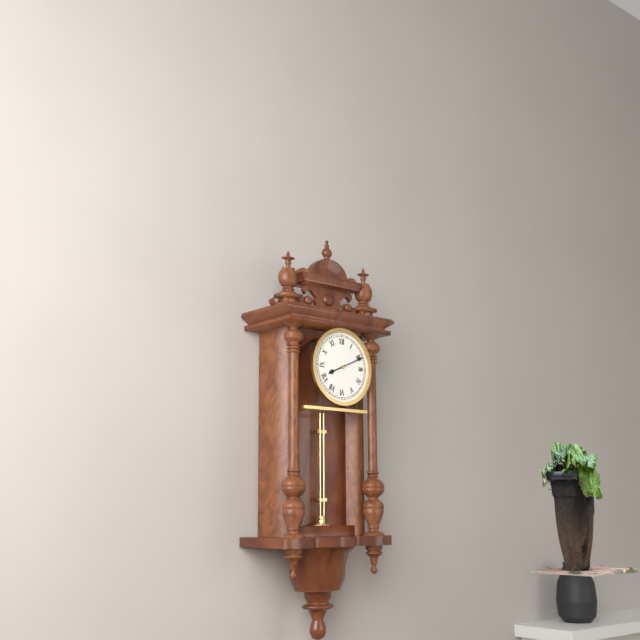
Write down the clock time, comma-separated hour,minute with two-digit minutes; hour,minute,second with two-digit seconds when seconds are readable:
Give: 8,11
